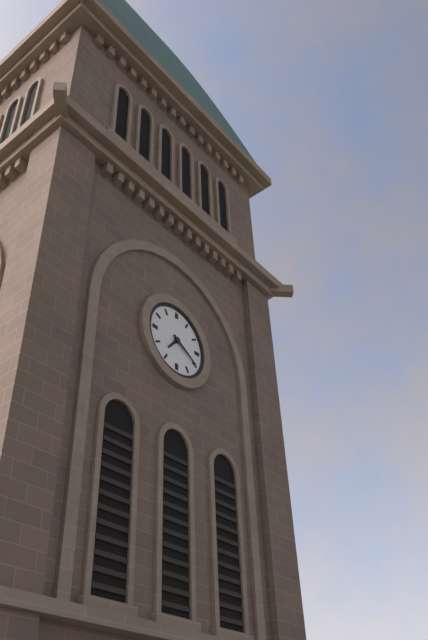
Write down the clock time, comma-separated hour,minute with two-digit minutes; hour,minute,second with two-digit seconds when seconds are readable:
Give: 7,20
